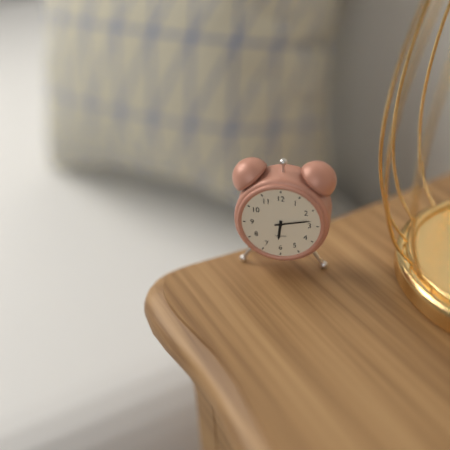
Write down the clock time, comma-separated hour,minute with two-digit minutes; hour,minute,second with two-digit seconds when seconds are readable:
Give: 6,13
